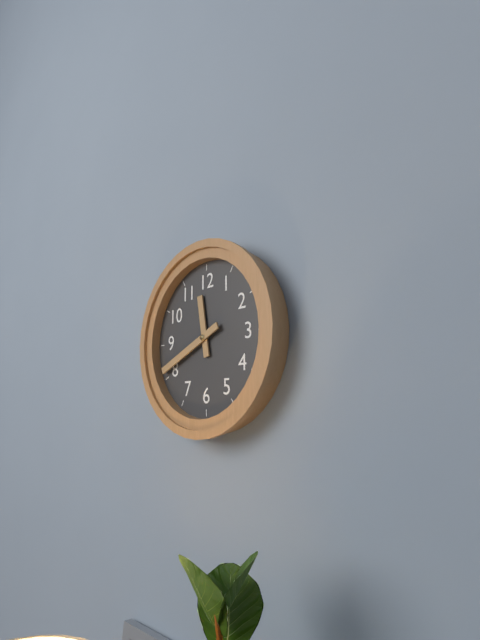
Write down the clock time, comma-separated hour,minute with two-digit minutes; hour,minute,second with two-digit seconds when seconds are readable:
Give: 11,41
